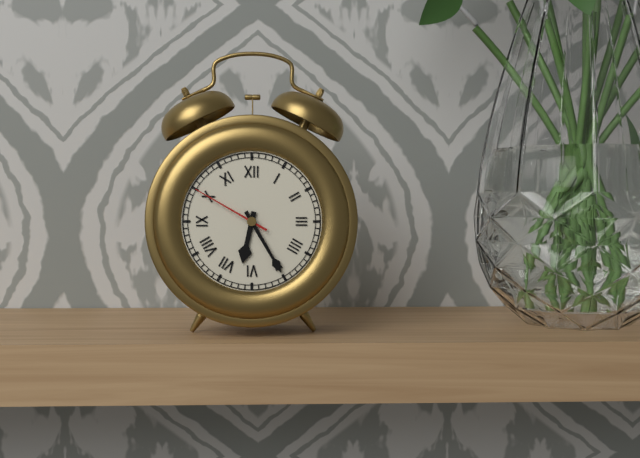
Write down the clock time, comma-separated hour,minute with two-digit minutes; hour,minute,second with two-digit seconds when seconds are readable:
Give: 6,25,50
